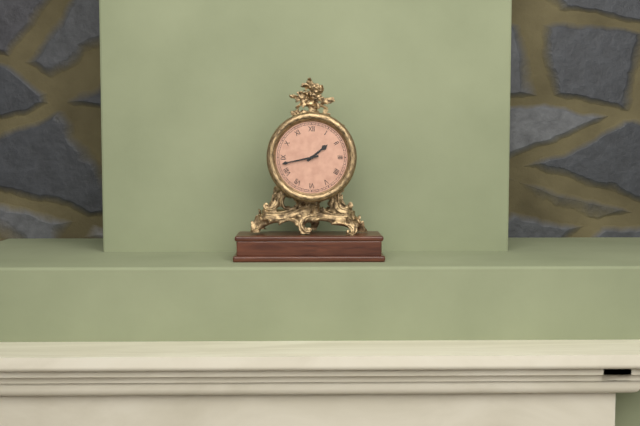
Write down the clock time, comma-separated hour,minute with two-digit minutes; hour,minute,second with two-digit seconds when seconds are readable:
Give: 1,43
